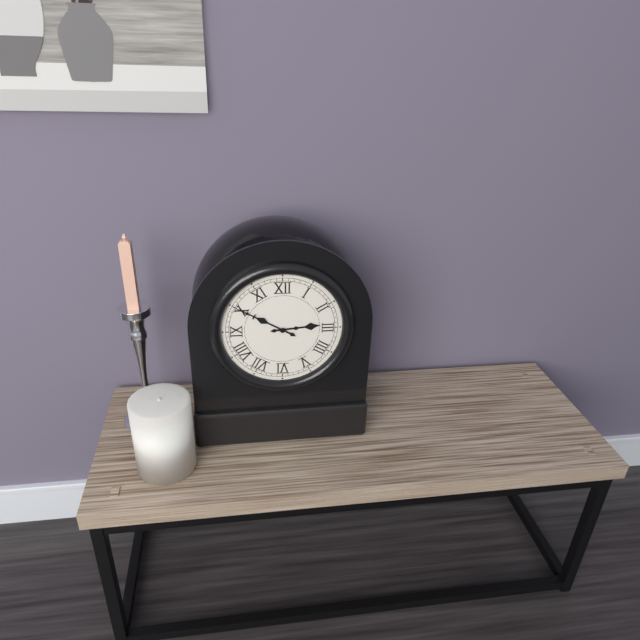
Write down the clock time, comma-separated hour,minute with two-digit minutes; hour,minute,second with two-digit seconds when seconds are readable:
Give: 2,50
